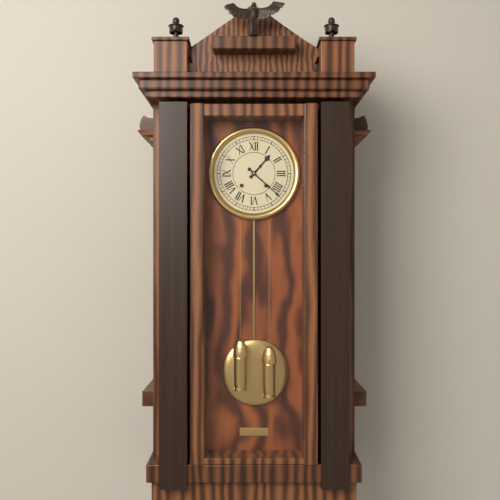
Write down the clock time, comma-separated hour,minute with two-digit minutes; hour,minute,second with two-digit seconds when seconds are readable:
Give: 1,22
